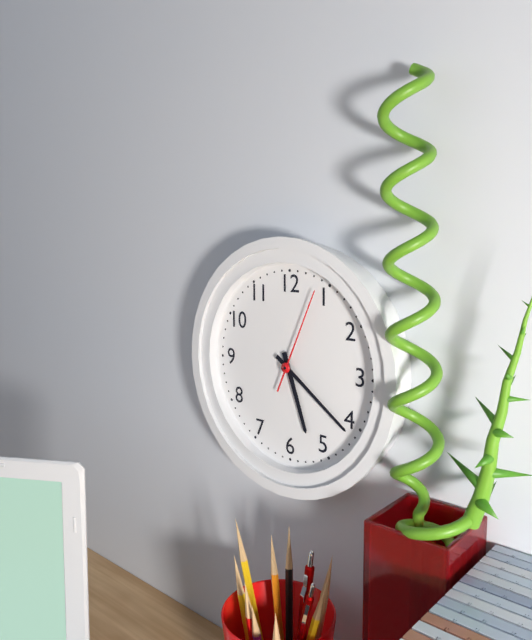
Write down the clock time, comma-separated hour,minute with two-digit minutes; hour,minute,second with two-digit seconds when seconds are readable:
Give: 5,21,04
